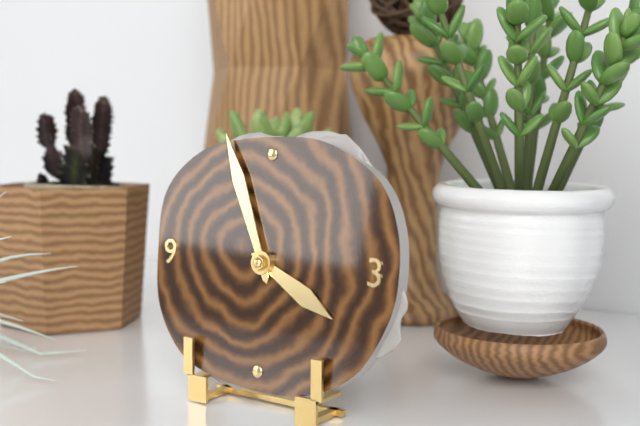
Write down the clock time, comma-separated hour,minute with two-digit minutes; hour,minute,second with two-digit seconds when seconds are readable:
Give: 3,56
